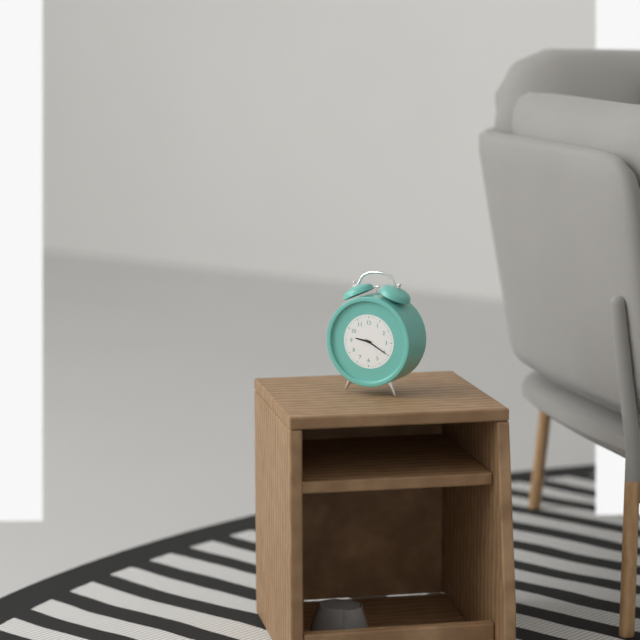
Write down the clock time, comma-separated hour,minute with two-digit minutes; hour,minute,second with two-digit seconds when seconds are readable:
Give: 9,20
